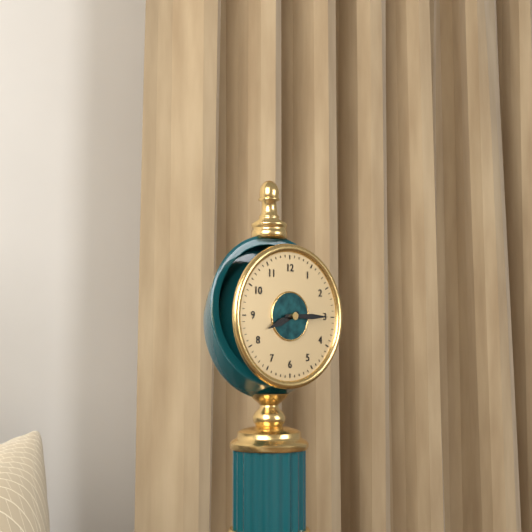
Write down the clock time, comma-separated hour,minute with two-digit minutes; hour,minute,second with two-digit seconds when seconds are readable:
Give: 8,15
